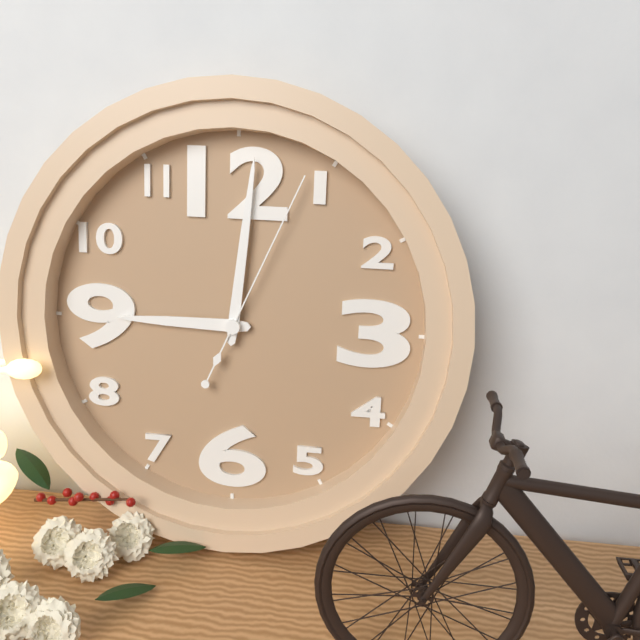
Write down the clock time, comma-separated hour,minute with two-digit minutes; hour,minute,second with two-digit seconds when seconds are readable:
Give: 9,01,04
